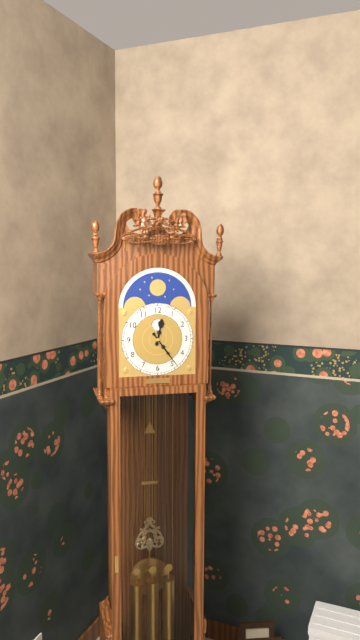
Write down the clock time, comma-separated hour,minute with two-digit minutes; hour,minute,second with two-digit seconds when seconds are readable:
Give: 12,24
